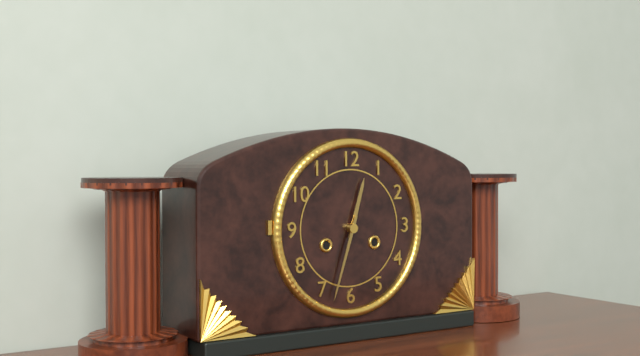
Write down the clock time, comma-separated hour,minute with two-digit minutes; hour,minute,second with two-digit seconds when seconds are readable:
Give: 12,33
